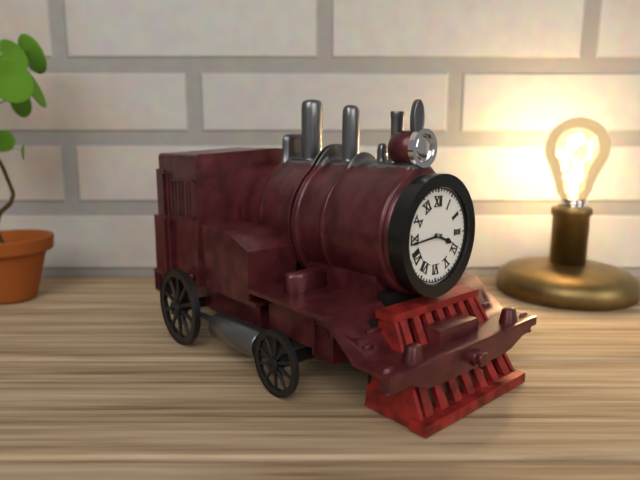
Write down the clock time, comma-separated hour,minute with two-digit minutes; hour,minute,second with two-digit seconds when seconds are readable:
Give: 3,44
